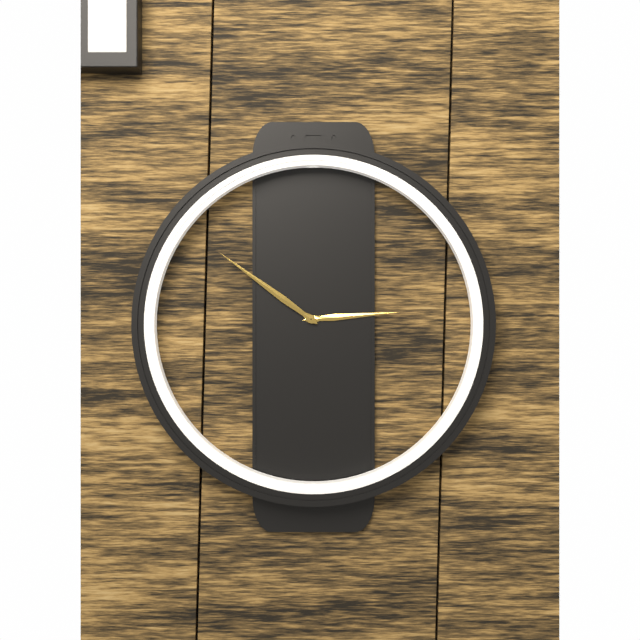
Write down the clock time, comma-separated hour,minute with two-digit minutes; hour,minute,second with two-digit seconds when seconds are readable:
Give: 2,51
